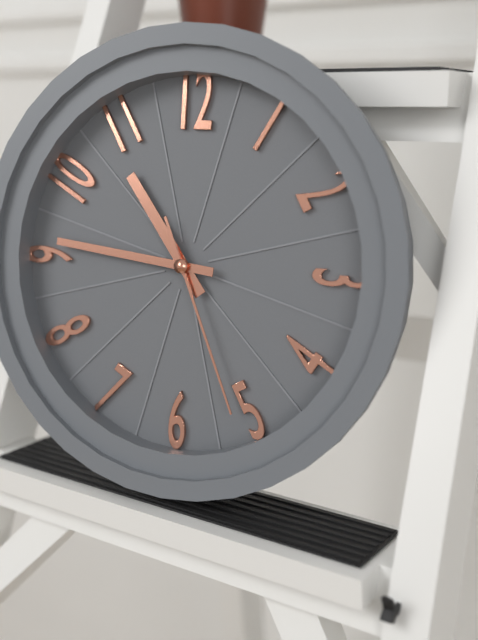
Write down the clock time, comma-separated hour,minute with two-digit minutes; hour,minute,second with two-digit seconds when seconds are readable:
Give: 10,46,26
